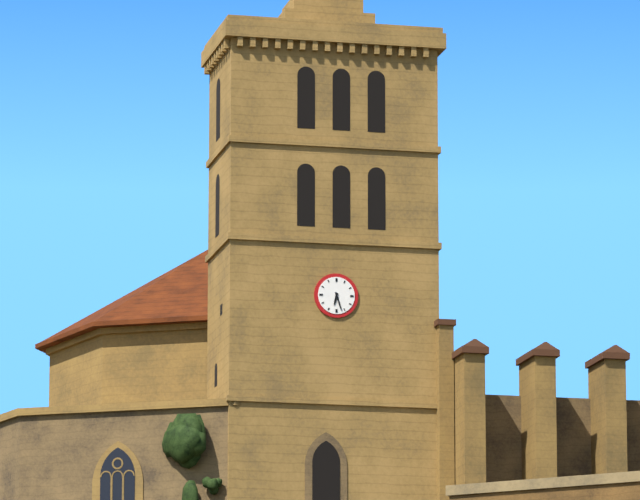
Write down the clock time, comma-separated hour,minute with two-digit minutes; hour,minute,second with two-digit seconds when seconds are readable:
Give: 6,27
